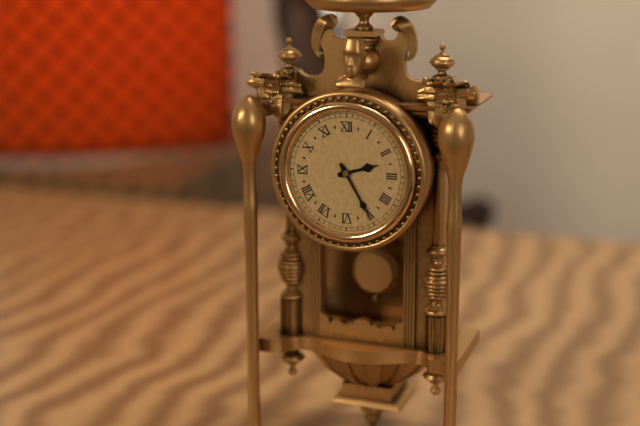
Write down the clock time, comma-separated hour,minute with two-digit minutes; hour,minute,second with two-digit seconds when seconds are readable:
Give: 2,25
